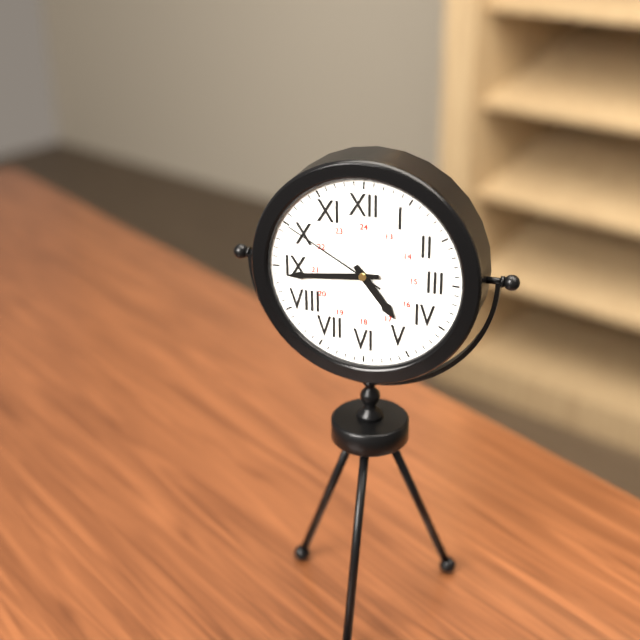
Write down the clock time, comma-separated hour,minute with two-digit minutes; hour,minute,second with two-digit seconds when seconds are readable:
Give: 4,44,50
